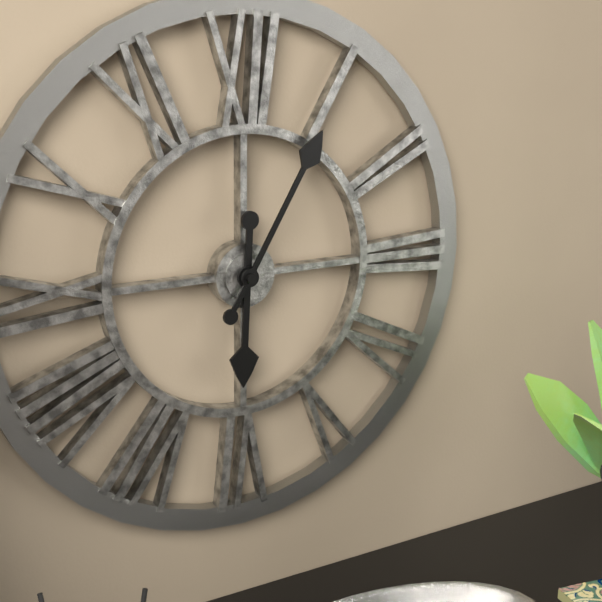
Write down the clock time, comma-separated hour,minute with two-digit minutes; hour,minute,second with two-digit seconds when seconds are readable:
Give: 6,05
